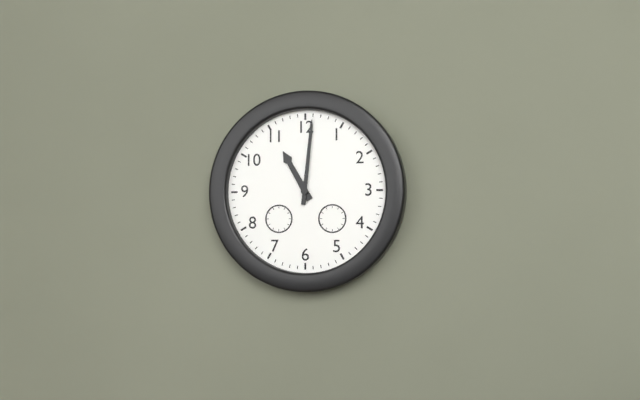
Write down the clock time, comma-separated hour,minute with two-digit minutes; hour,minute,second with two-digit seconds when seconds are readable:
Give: 11,01
